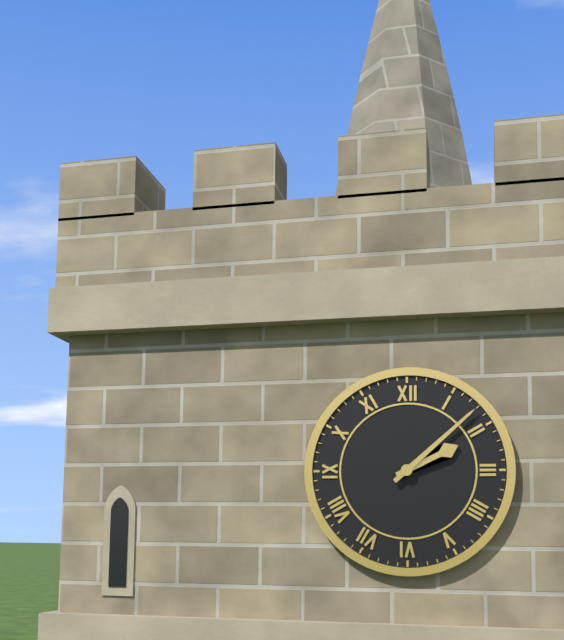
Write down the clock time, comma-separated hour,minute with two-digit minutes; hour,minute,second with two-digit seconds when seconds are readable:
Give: 2,08
